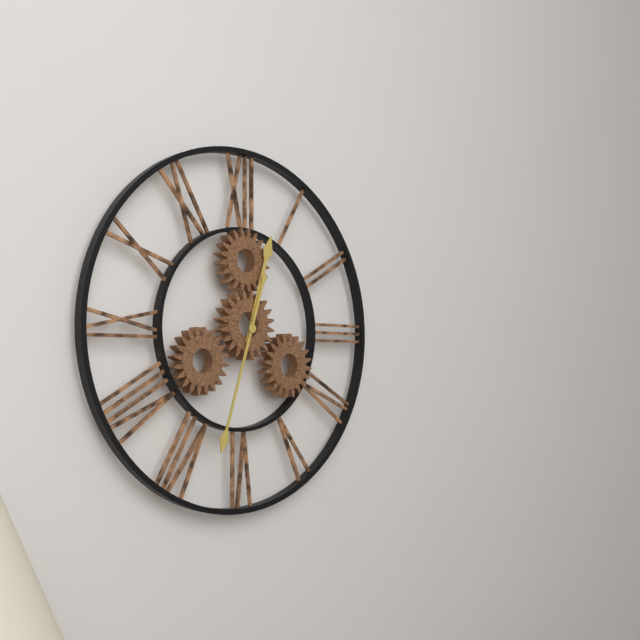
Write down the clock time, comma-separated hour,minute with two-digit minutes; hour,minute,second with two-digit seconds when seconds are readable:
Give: 12,33
